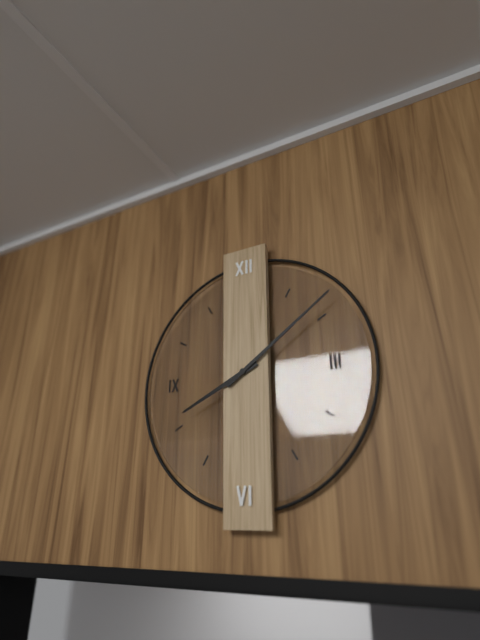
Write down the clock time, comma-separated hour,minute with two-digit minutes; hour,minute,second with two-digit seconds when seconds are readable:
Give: 8,09
